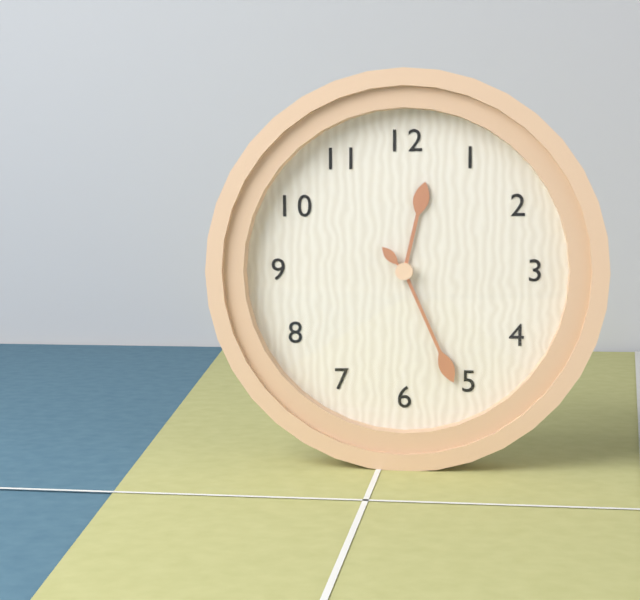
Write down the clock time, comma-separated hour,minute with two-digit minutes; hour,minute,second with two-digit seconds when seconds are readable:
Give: 12,26
